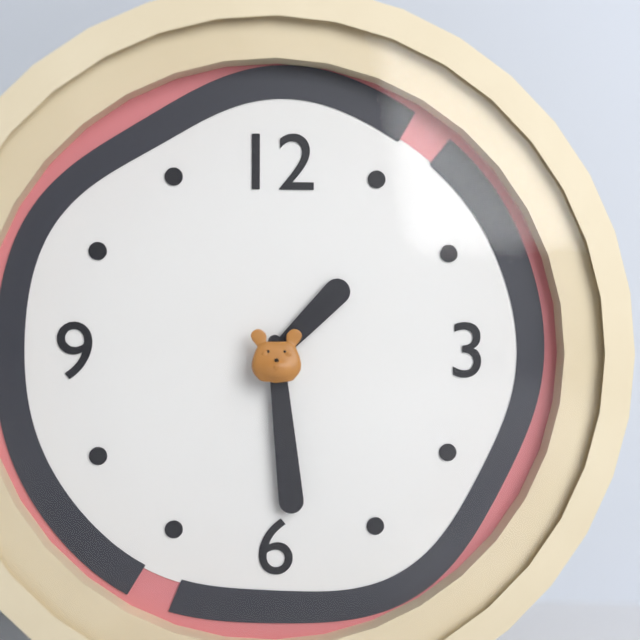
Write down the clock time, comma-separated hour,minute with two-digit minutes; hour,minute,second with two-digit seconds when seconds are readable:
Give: 1,29
